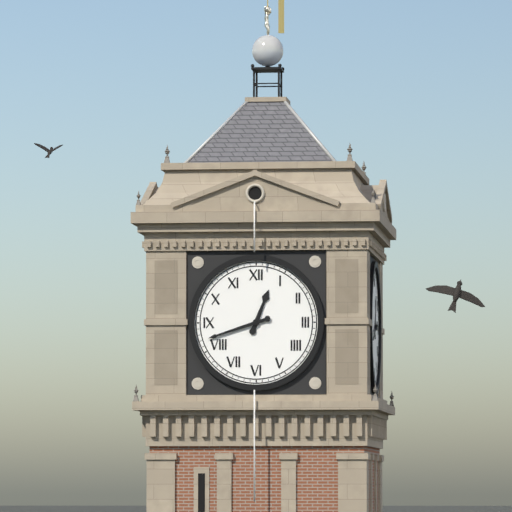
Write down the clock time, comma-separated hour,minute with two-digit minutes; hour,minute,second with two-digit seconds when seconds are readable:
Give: 12,42
